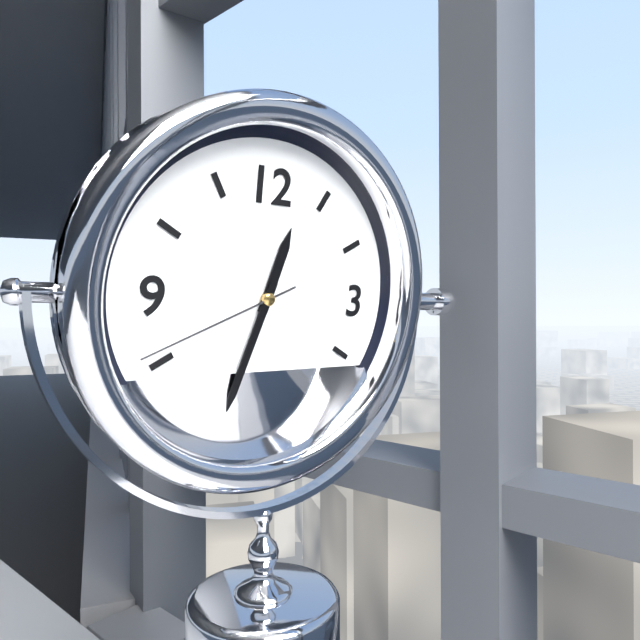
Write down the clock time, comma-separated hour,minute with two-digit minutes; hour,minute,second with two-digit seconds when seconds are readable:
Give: 12,33,41
